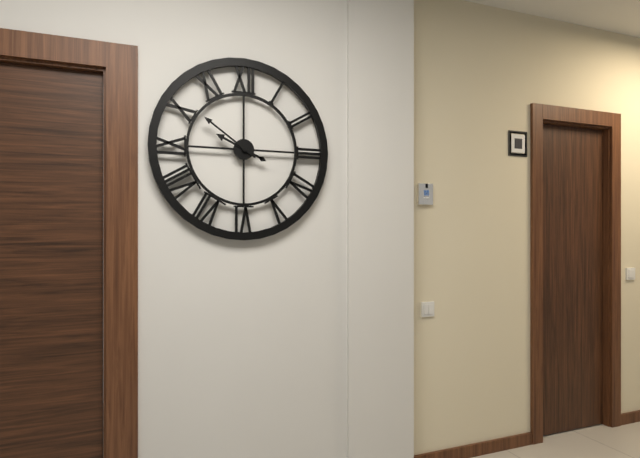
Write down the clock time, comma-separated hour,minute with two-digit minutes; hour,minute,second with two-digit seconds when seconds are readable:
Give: 9,51
